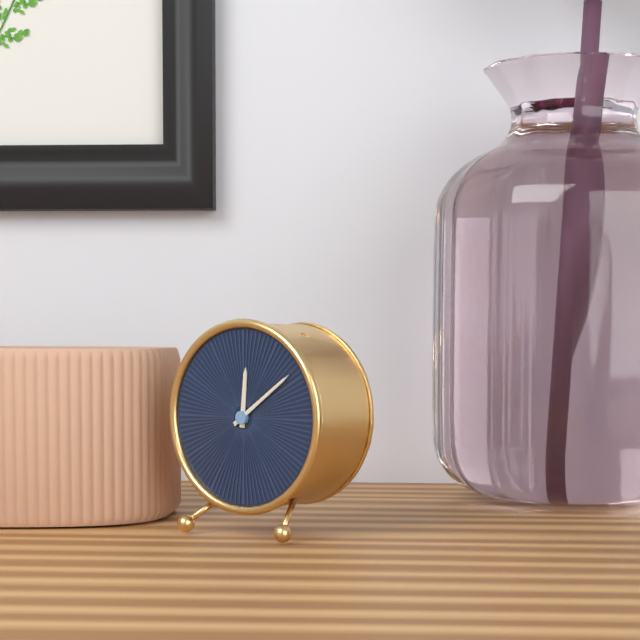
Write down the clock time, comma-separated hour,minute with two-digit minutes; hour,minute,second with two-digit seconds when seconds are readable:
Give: 12,09
